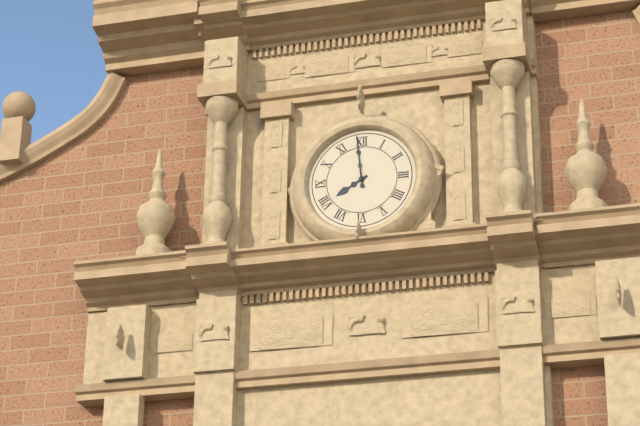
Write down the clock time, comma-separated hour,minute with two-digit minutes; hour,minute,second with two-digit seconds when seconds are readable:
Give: 7,59
